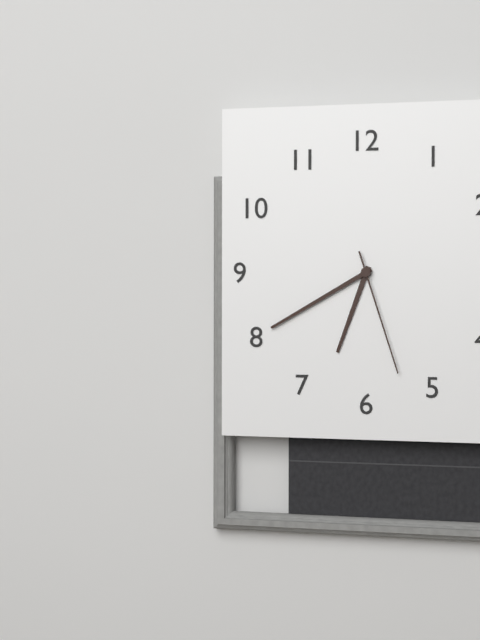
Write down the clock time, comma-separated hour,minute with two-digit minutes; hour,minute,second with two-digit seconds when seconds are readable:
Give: 6,40,27
